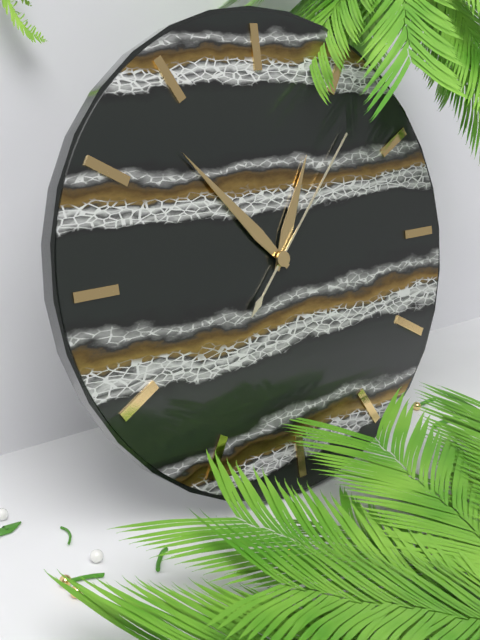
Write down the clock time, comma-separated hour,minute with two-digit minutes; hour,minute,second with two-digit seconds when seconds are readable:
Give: 12,53,07
